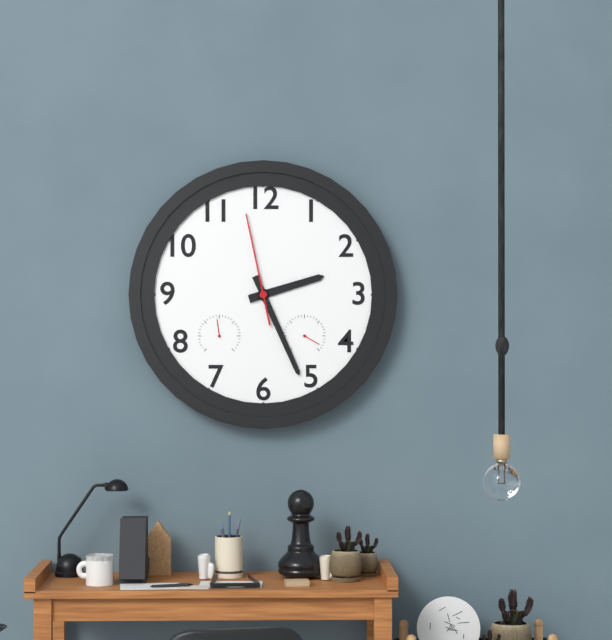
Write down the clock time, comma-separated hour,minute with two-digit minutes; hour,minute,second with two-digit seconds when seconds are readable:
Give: 2,26,58
